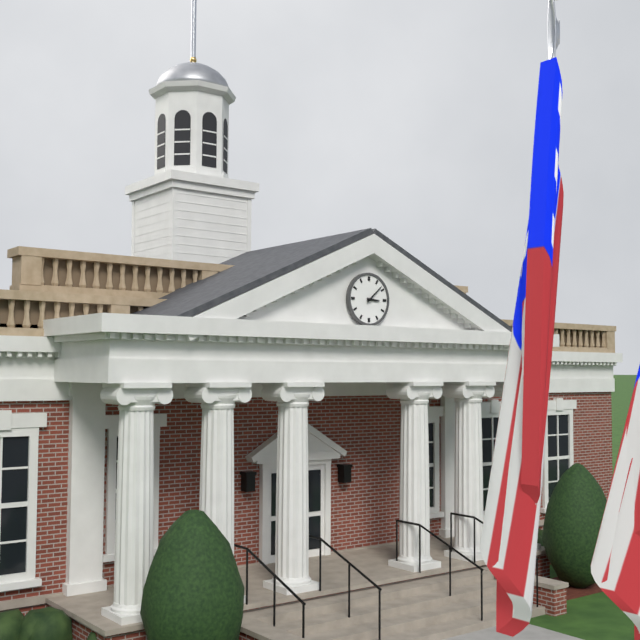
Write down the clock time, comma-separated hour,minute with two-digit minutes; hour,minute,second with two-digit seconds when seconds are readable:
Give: 3,08
